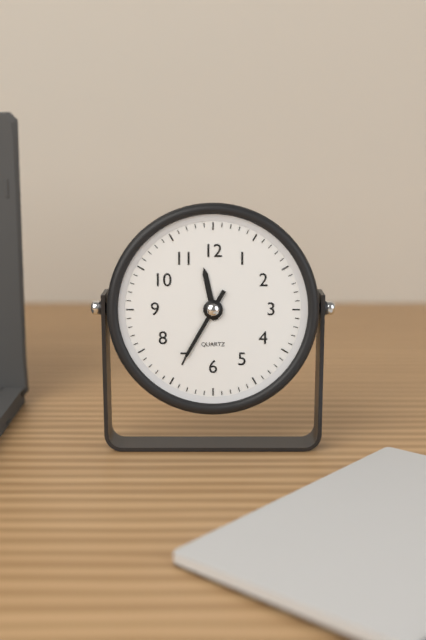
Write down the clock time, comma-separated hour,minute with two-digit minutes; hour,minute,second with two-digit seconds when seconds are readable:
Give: 11,35
